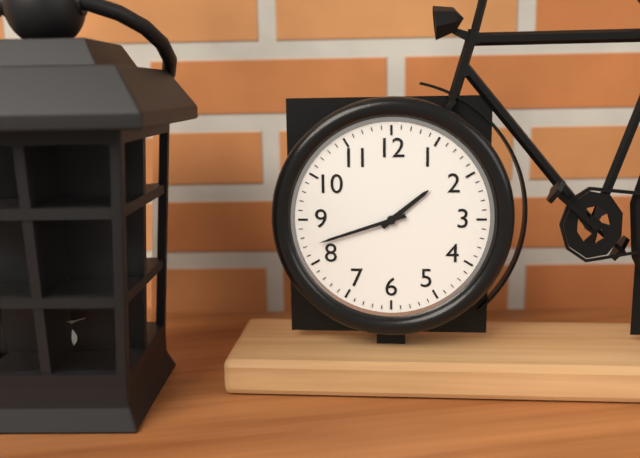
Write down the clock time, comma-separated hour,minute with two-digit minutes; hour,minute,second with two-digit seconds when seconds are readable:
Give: 1,42
